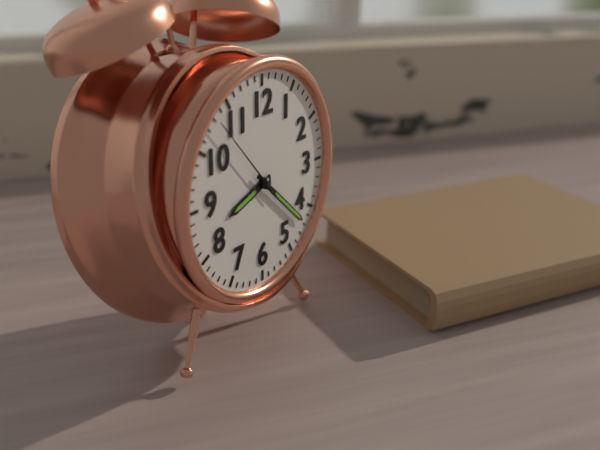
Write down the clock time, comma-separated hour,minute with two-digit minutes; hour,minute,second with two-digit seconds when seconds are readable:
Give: 8,22,53
